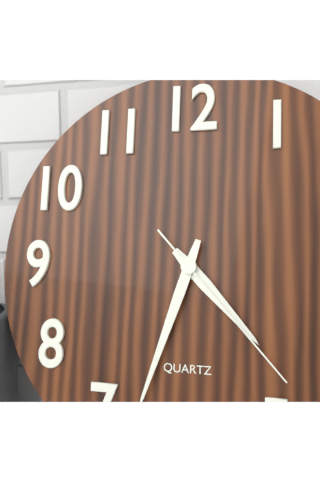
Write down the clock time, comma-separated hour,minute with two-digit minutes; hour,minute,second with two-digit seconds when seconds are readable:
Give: 4,33,23
